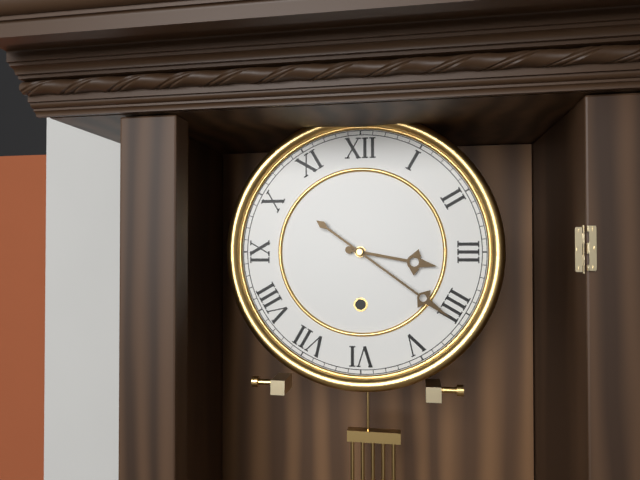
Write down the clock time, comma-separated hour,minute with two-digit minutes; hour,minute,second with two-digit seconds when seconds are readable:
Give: 3,21
